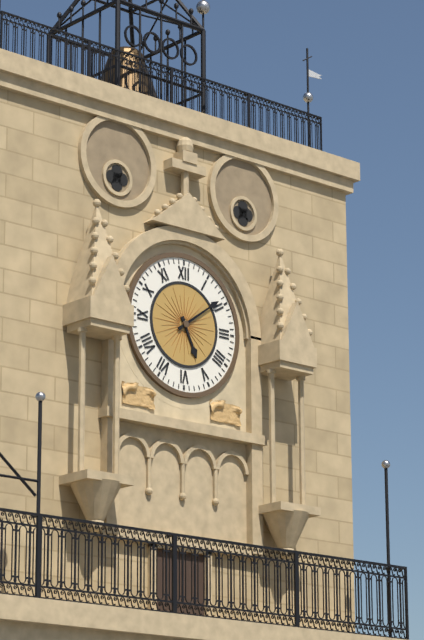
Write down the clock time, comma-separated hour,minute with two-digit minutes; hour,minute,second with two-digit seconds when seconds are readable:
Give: 5,09
